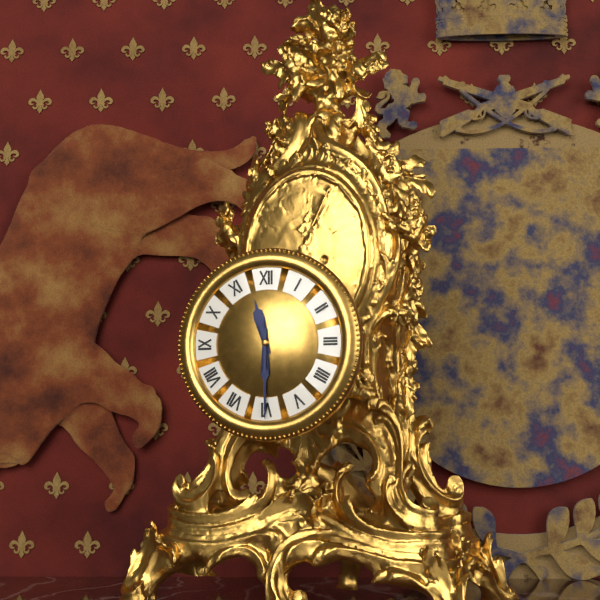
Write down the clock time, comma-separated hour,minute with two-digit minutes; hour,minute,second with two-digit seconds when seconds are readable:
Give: 11,30
